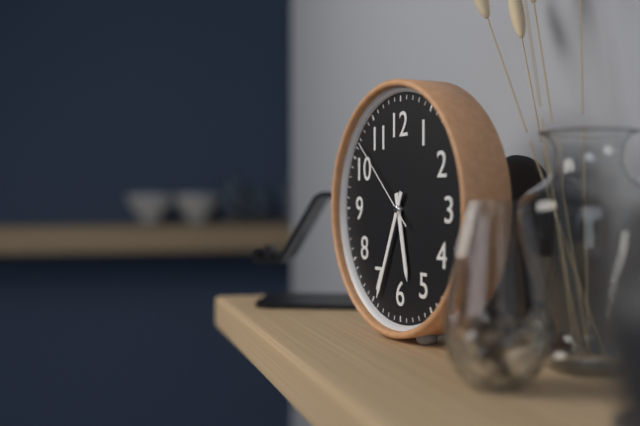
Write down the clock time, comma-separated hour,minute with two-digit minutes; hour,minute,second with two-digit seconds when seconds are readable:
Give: 5,34,52
